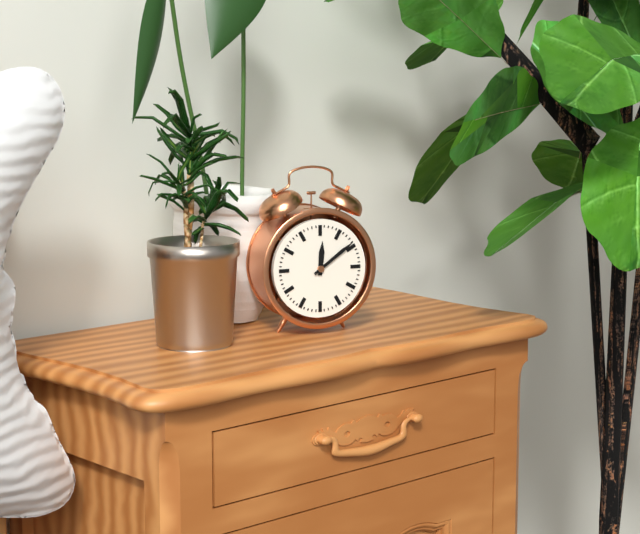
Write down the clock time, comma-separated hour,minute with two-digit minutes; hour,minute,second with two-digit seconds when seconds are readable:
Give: 12,09
